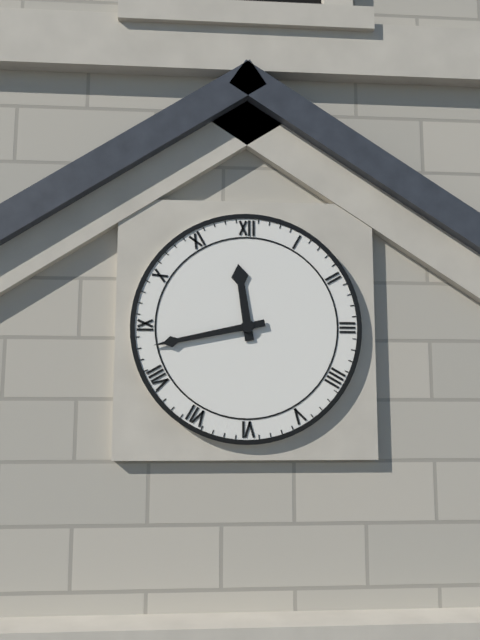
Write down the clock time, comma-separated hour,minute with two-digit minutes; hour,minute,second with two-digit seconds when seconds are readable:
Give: 11,43
